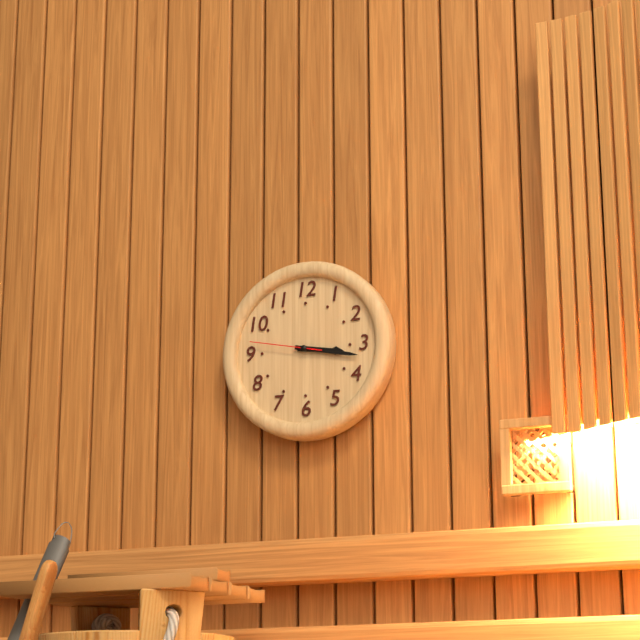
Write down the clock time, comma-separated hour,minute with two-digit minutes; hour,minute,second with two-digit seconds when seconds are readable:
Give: 3,17,47
